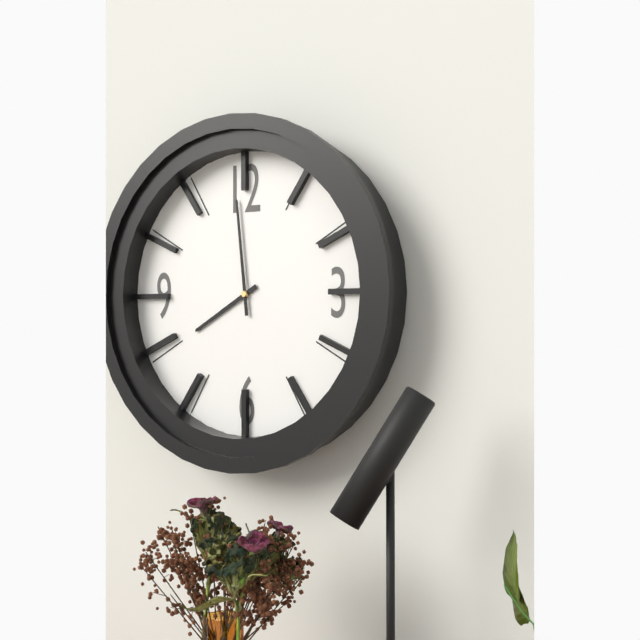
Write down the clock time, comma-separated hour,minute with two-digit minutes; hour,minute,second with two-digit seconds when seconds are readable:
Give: 7,59
